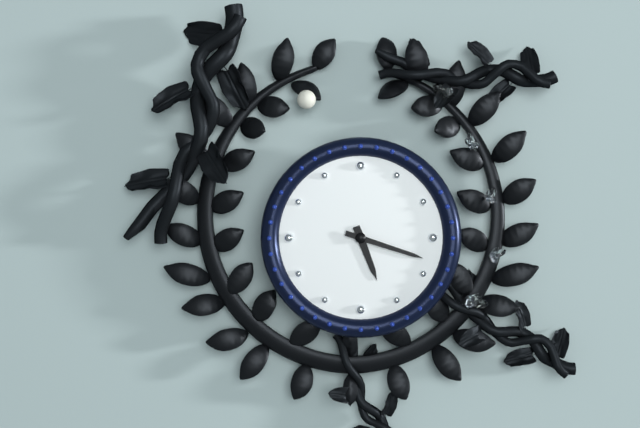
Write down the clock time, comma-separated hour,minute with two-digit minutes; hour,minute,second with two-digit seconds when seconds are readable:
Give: 5,18
